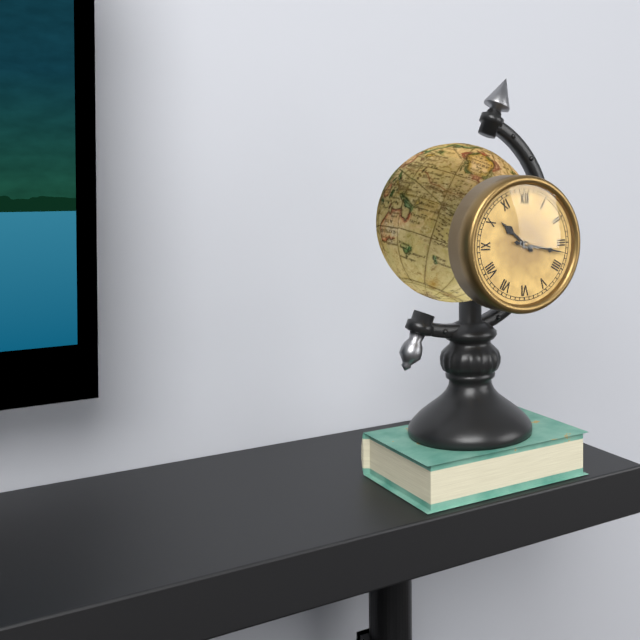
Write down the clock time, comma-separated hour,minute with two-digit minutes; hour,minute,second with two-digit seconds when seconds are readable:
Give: 10,17
